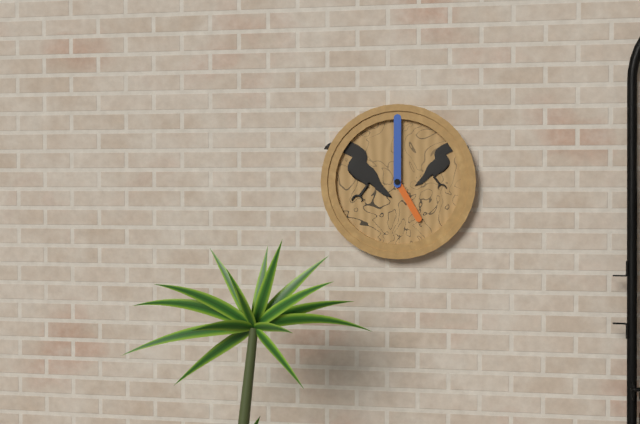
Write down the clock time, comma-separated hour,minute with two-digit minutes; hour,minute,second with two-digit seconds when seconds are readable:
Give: 5,00
